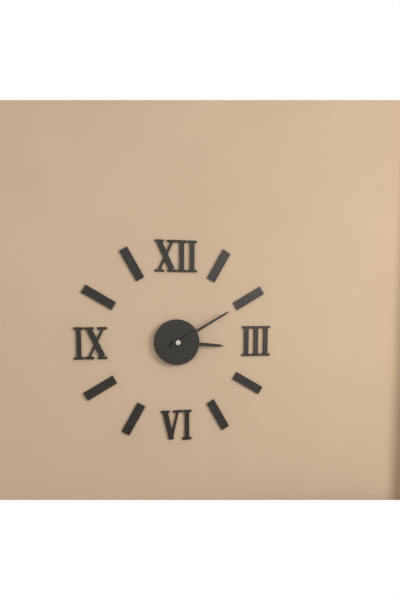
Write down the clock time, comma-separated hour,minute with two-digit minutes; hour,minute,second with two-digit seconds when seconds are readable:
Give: 3,10
